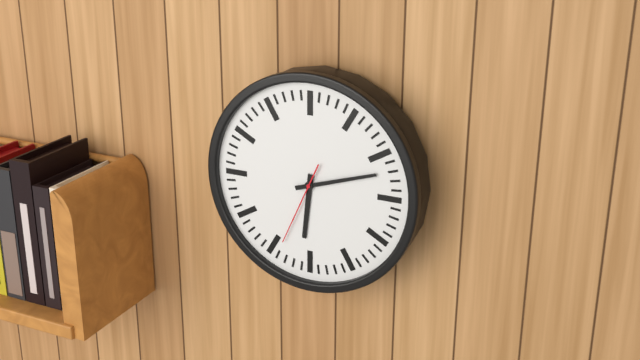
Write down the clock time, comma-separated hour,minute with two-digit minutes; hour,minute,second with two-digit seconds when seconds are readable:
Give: 6,12,34
